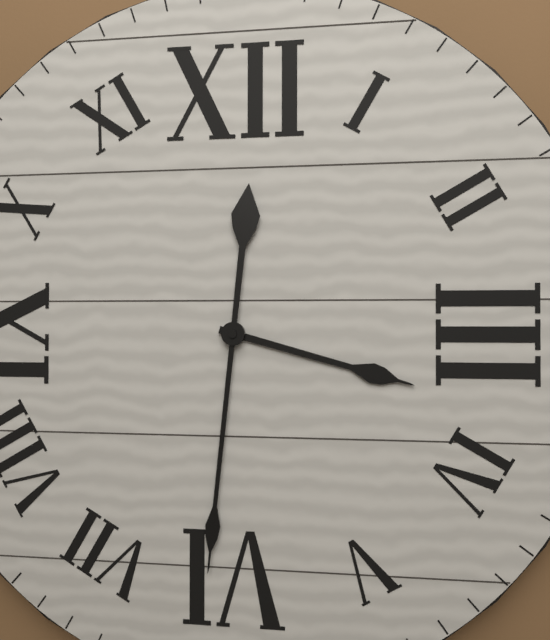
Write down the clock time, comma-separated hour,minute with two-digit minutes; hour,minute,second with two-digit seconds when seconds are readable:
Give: 3,31
